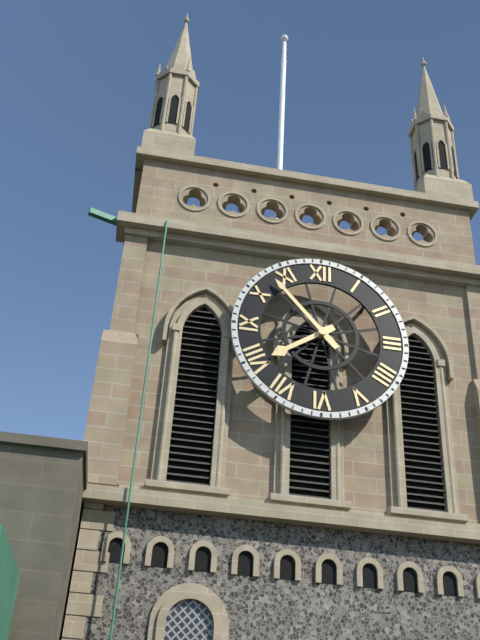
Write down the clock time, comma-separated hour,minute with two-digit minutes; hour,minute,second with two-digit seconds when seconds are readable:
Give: 7,53
